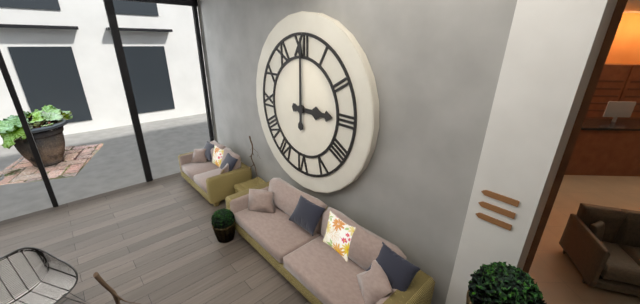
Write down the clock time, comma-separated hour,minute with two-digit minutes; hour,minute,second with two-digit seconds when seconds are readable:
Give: 3,00
